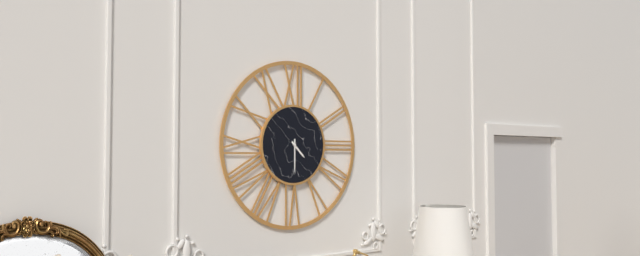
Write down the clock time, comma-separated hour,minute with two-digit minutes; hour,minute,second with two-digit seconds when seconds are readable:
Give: 4,30
